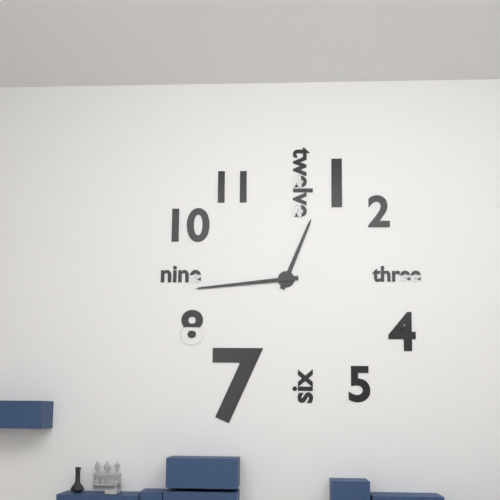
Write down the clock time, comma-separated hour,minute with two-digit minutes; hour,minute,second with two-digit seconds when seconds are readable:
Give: 12,44
